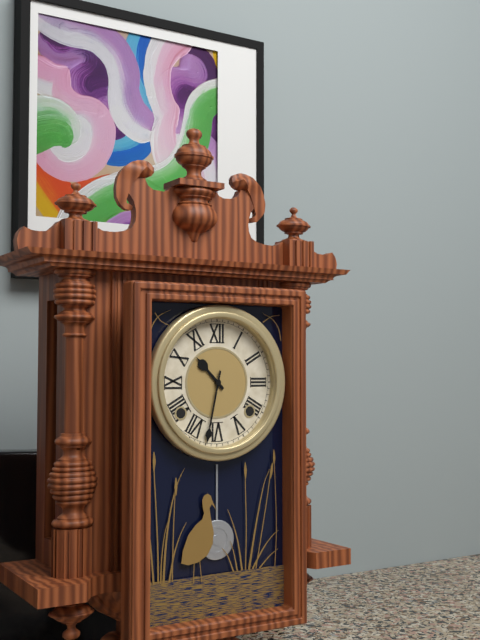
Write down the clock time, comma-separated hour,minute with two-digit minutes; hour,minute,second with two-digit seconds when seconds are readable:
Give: 10,32
